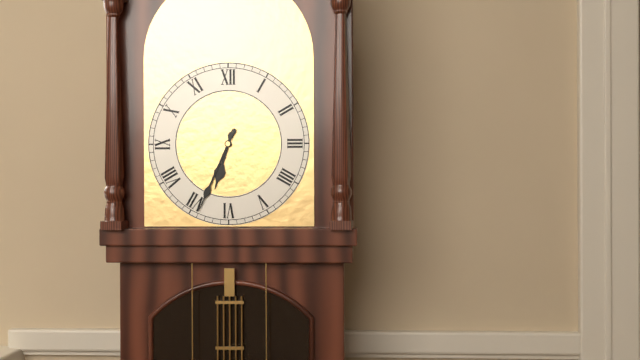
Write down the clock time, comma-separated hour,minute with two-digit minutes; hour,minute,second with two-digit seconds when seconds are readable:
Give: 6,34
